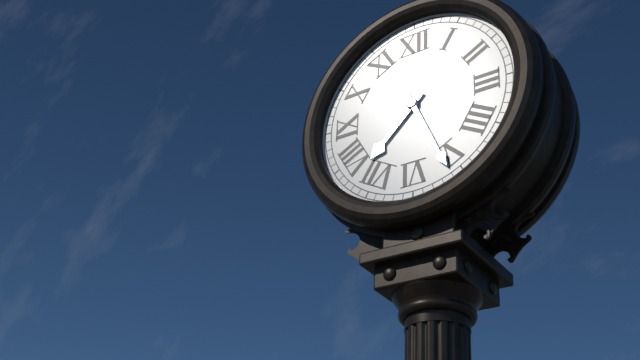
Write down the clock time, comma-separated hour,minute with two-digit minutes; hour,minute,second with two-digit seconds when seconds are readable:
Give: 7,26
